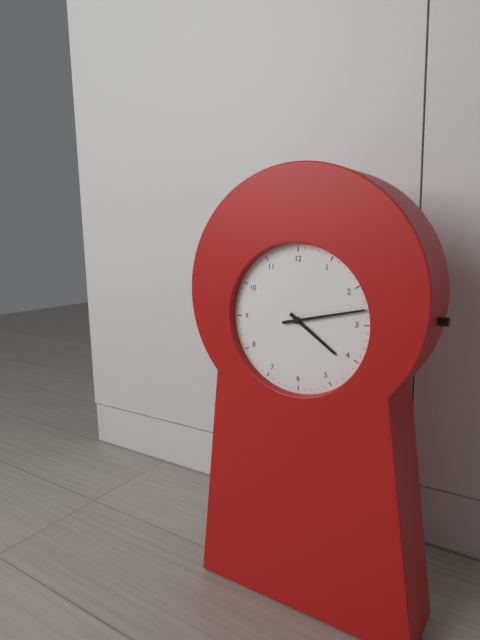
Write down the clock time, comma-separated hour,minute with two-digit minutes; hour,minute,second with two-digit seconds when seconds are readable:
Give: 4,13
